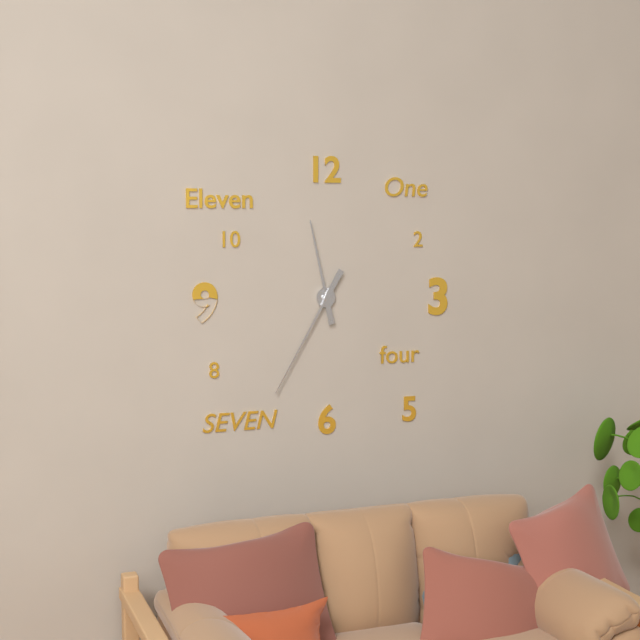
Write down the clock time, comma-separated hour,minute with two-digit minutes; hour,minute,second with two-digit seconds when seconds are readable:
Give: 11,35
